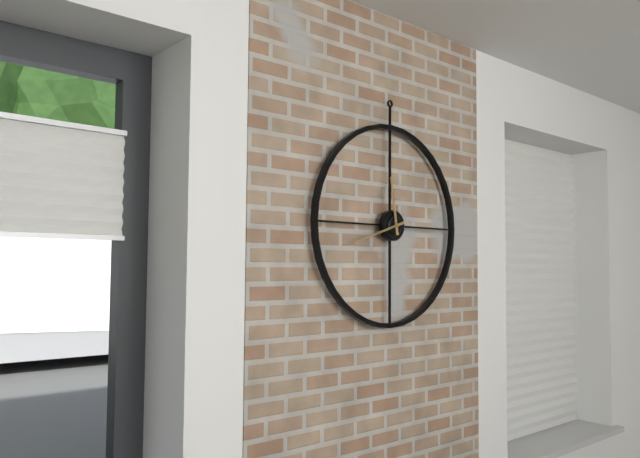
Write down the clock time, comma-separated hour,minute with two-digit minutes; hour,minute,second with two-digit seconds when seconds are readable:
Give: 11,42
